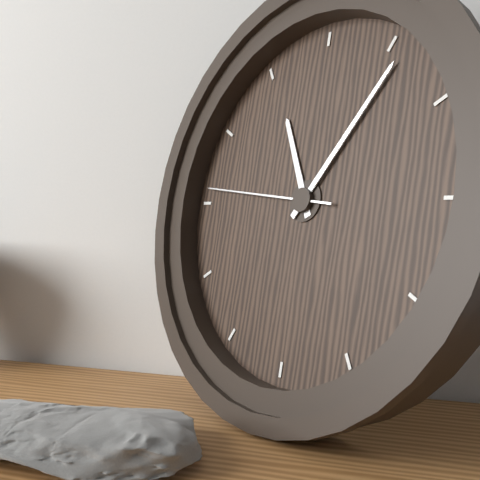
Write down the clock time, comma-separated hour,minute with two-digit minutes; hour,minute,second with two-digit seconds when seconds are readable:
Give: 11,06,46
